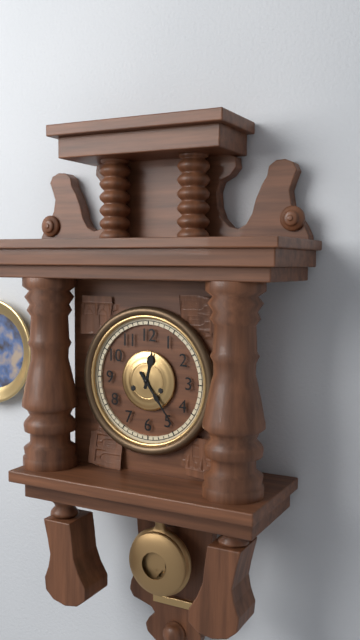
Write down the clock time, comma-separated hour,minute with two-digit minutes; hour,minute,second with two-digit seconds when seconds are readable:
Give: 12,24
